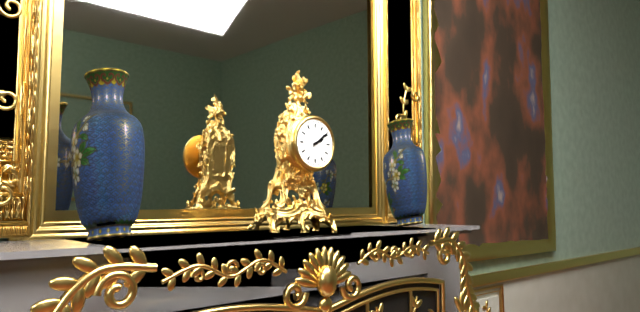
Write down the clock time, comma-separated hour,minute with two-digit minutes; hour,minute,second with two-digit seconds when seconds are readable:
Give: 2,09
